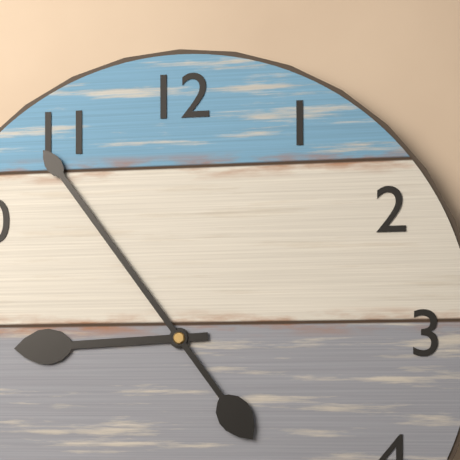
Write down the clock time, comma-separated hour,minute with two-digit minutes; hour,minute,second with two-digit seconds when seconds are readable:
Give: 8,54
